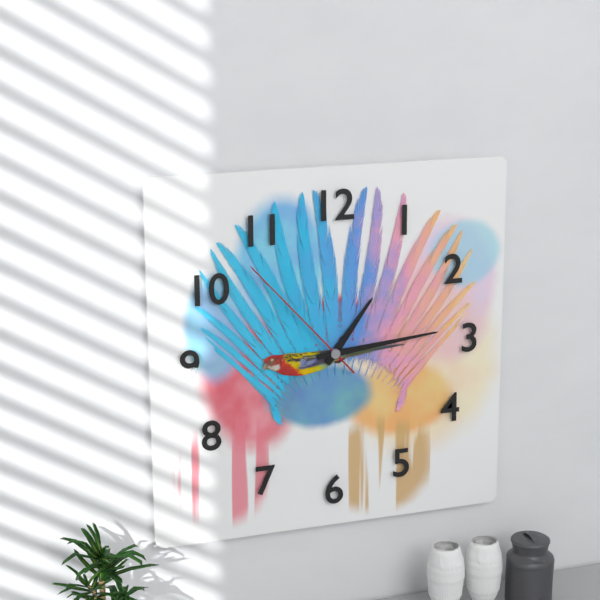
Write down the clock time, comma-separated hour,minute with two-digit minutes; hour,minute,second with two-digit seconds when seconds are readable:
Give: 1,14,53
